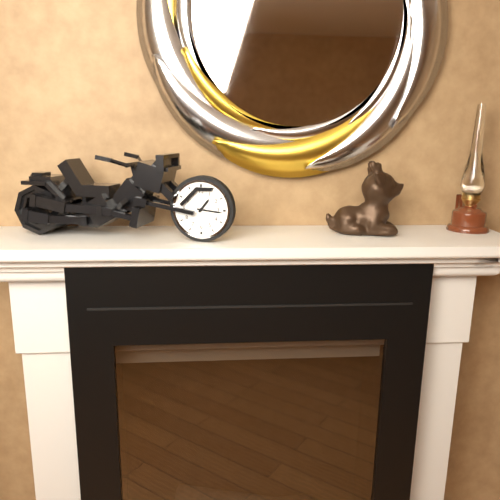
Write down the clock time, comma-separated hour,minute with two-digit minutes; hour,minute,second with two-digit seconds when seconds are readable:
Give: 1,16
